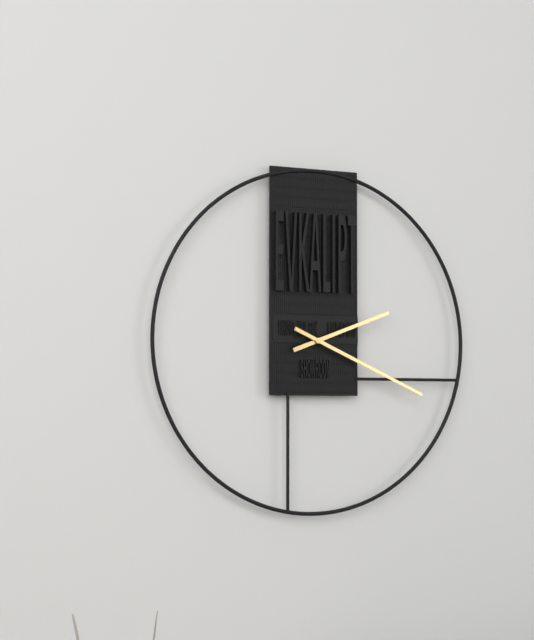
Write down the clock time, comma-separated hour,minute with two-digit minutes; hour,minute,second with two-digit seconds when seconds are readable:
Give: 2,19
